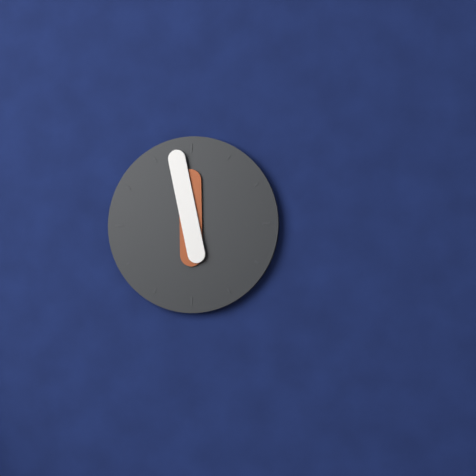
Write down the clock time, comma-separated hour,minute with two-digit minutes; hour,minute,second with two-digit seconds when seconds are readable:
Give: 11,58
